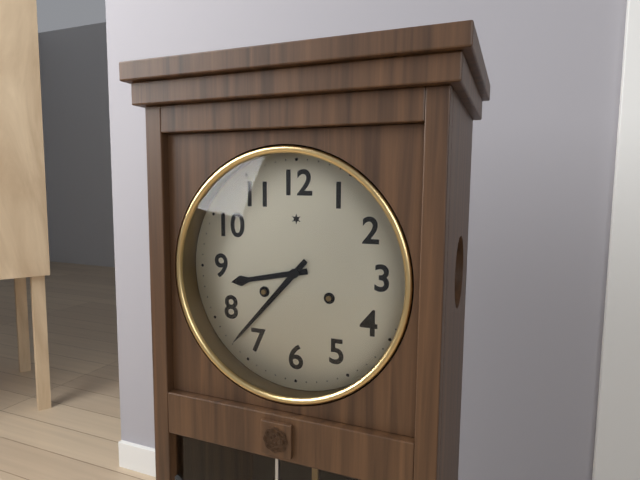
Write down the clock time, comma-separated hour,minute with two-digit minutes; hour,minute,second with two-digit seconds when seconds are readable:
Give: 8,37
